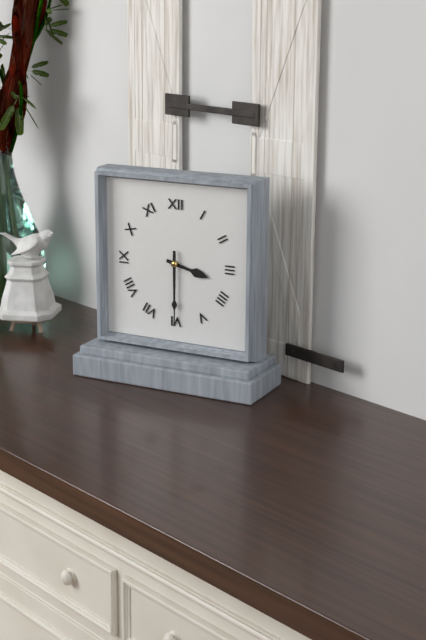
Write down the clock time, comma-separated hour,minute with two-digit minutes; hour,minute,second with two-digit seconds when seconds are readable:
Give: 3,30
